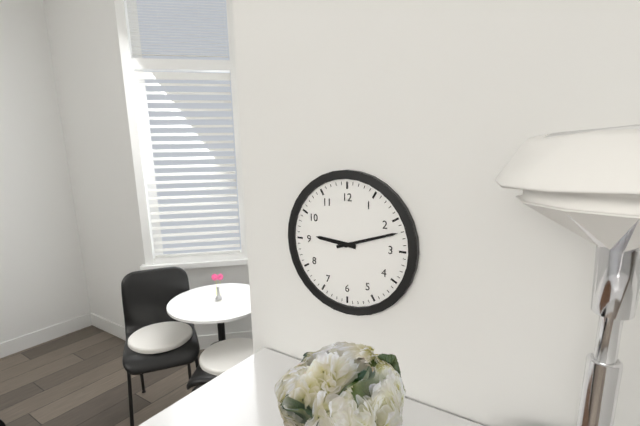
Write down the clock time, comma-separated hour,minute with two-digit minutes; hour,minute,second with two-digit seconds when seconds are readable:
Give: 9,12
